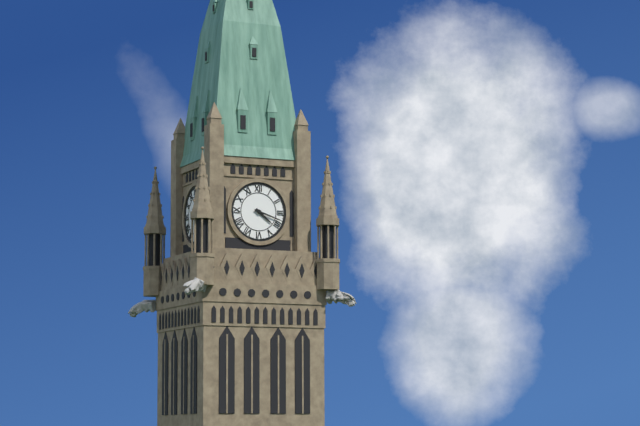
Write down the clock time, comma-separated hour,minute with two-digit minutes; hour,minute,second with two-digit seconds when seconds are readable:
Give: 4,18
